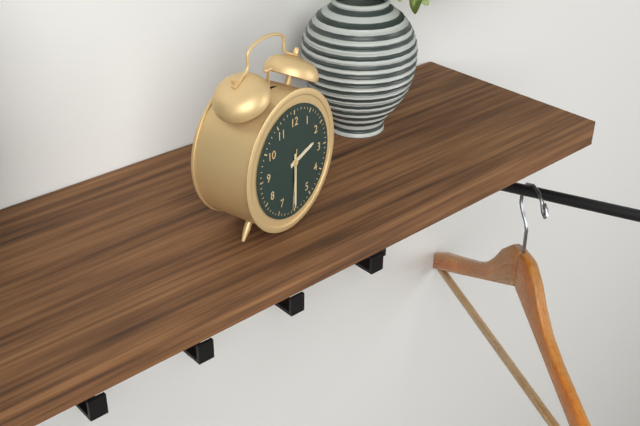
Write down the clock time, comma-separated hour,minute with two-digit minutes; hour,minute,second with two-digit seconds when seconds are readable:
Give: 2,30,31
